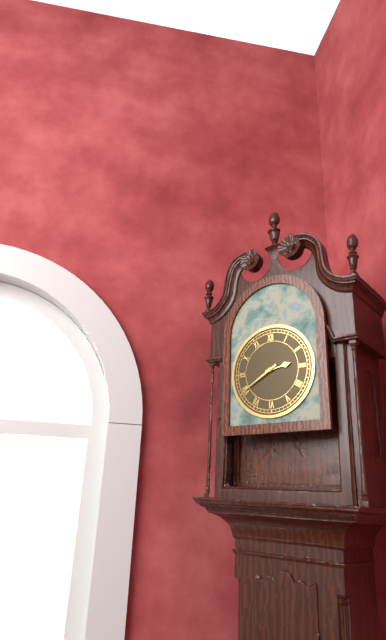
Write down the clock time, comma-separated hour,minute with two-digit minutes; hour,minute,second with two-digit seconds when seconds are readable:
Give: 2,40
